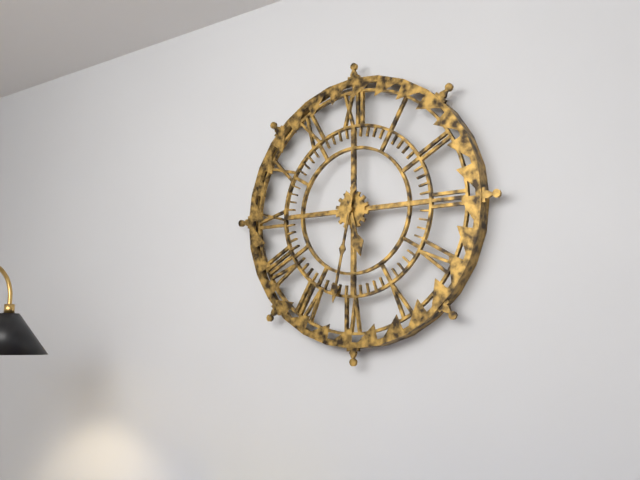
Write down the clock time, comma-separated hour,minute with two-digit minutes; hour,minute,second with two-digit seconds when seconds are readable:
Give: 5,32
